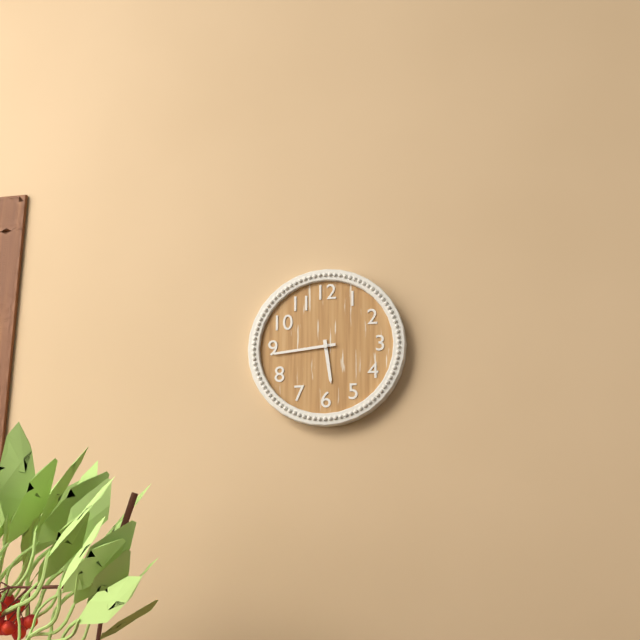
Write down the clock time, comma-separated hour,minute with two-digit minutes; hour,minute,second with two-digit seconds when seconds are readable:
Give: 5,44
